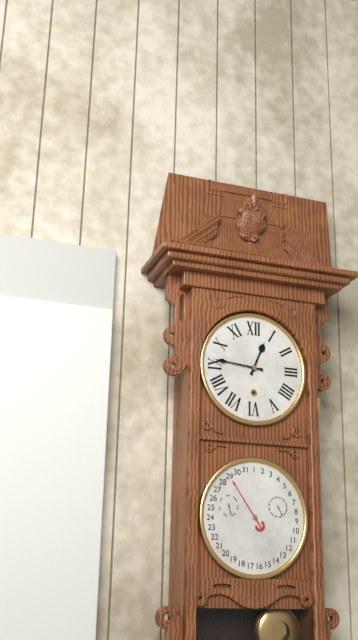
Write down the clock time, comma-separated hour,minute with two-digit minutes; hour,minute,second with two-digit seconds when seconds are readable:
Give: 12,46
